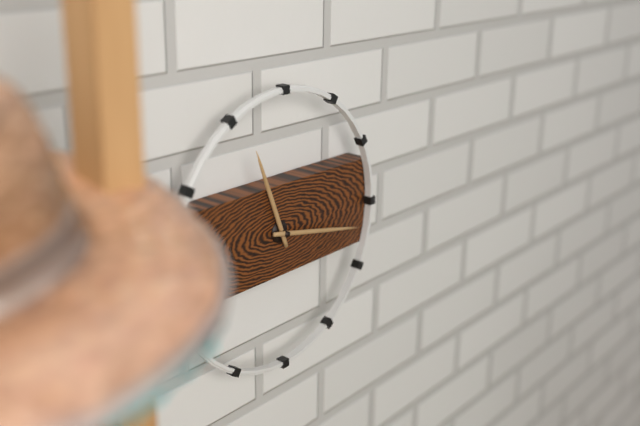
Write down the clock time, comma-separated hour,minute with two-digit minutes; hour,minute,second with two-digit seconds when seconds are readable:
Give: 11,17
